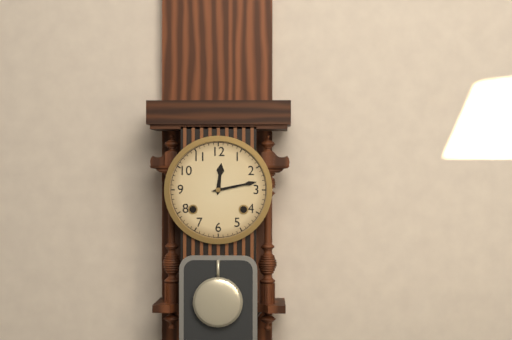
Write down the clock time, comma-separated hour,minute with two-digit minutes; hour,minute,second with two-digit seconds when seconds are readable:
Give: 12,13
